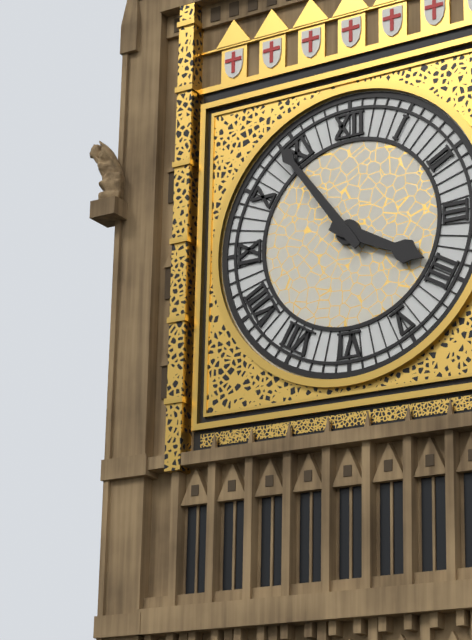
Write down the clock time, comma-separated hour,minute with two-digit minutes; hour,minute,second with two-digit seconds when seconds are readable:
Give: 3,54
